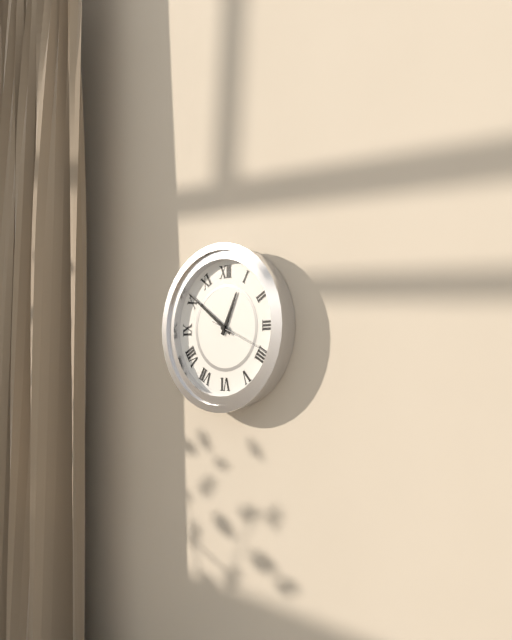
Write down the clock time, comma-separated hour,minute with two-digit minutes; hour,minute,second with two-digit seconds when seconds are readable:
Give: 12,51,19
